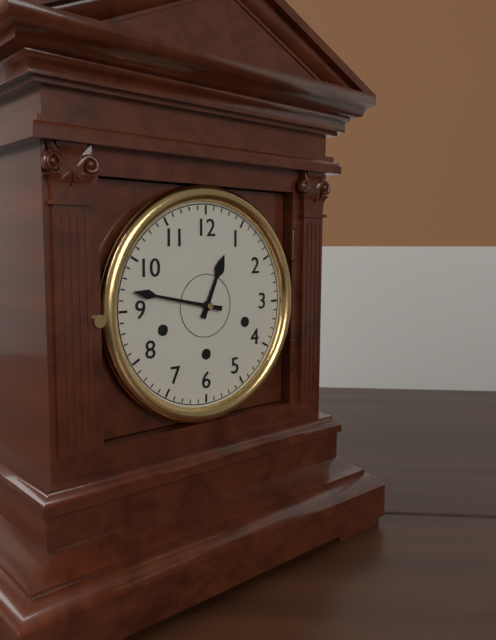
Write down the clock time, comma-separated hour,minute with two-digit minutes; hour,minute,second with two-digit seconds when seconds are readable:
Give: 12,47
